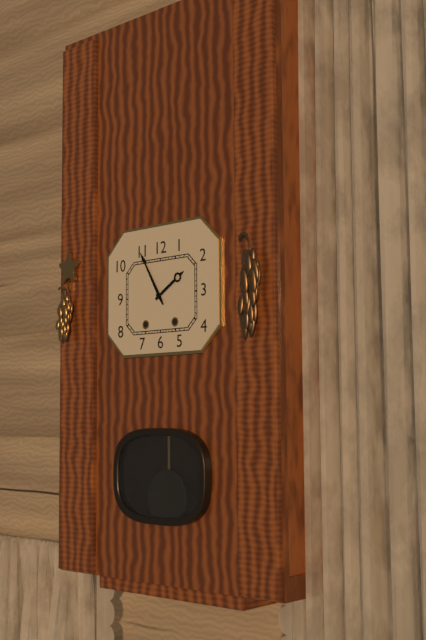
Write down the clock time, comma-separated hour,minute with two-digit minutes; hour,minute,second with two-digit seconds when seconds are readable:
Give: 1,55
